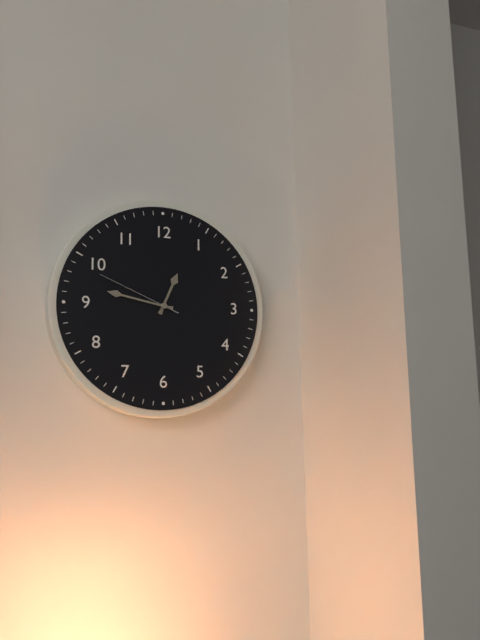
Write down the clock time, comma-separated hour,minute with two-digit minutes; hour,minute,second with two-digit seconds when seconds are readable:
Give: 12,47,49
